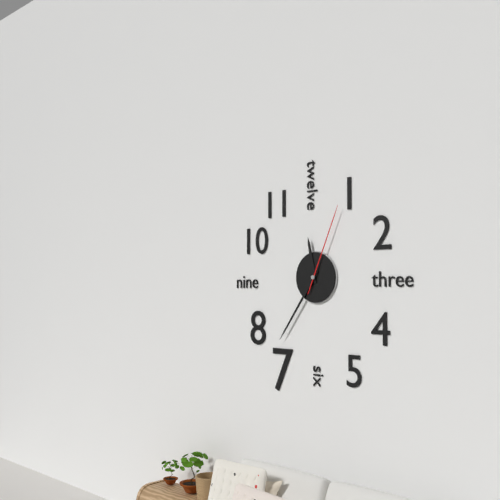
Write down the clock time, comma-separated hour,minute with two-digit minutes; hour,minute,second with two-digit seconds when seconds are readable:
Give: 11,36,04
